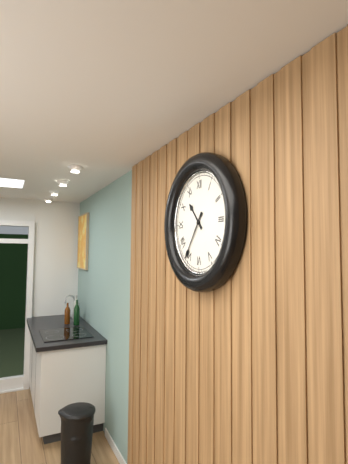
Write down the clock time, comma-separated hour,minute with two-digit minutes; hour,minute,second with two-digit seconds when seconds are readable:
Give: 10,36
